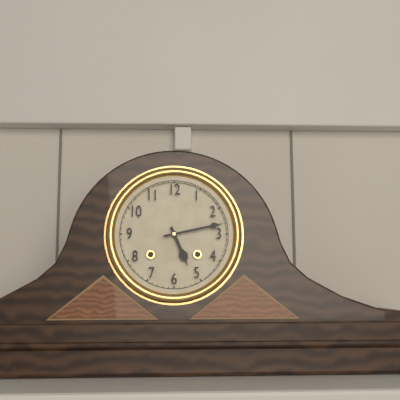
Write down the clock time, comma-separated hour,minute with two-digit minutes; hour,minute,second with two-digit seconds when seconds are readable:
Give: 5,13
